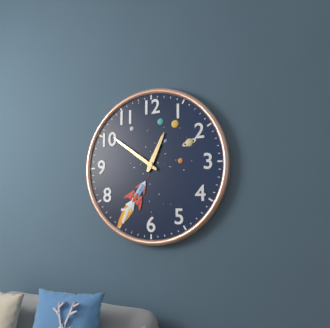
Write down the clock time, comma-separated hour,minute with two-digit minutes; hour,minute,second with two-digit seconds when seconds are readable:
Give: 12,51
